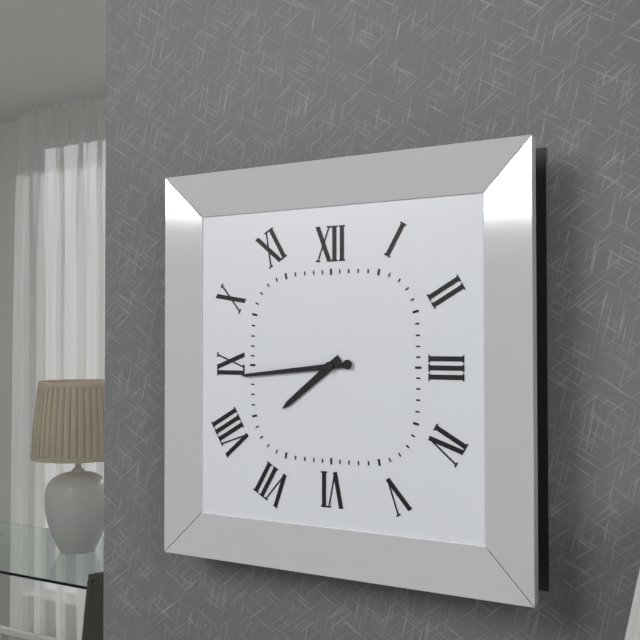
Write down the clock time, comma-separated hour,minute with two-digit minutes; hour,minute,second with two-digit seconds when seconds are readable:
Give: 7,44
